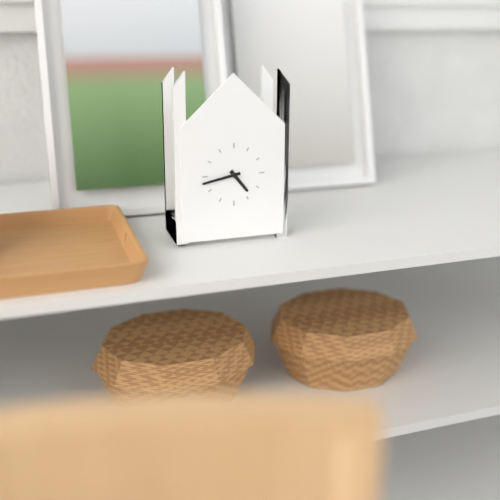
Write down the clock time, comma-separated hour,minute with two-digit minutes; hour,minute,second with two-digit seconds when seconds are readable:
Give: 4,43
